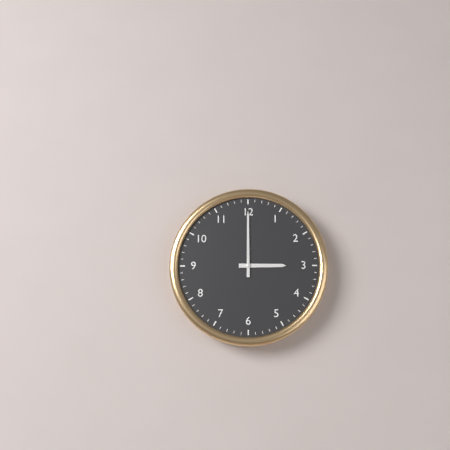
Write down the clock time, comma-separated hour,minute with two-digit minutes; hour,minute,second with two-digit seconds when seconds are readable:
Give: 3,00
